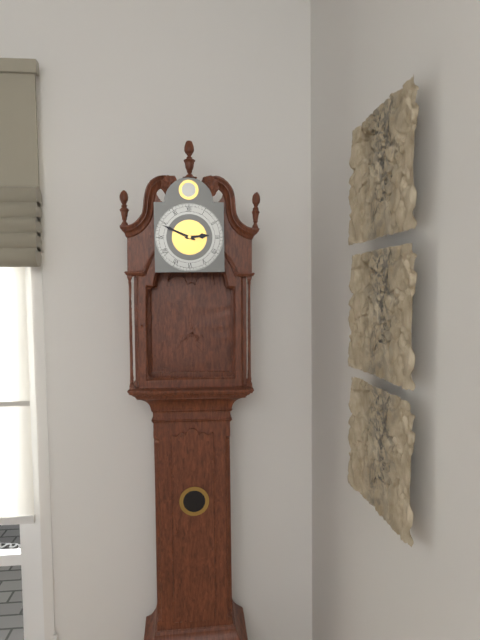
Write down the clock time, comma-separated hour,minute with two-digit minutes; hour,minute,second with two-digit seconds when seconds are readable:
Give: 2,49
